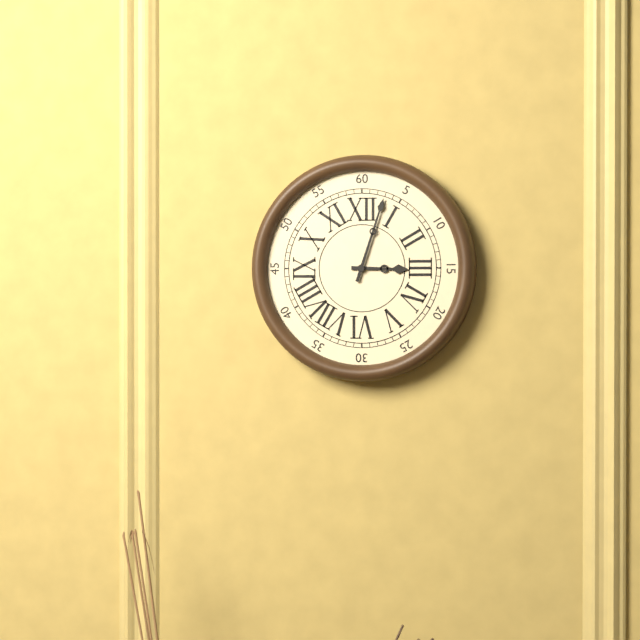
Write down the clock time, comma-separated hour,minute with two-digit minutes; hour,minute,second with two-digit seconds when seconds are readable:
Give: 3,03
